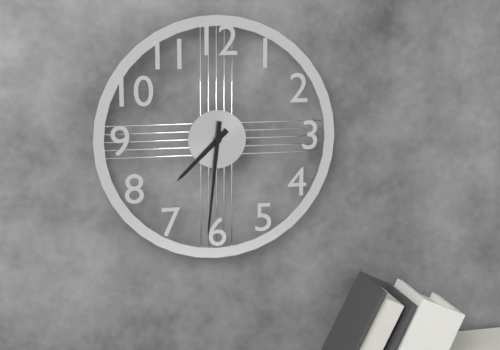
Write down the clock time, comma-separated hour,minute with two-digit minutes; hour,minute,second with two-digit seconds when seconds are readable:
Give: 7,31
